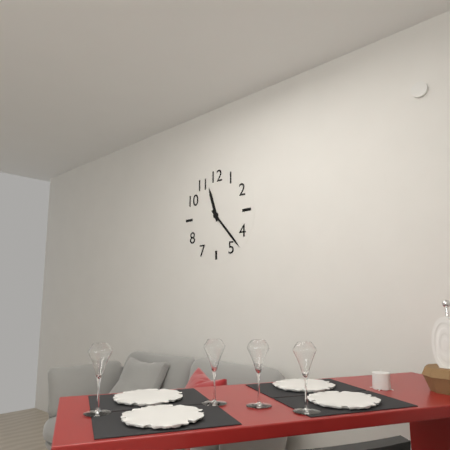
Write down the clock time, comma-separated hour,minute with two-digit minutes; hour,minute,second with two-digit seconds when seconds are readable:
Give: 11,23
